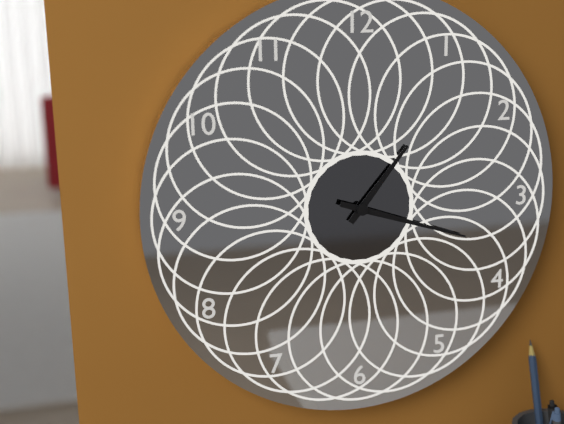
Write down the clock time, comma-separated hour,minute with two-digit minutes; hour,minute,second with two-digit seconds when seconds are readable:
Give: 1,18
